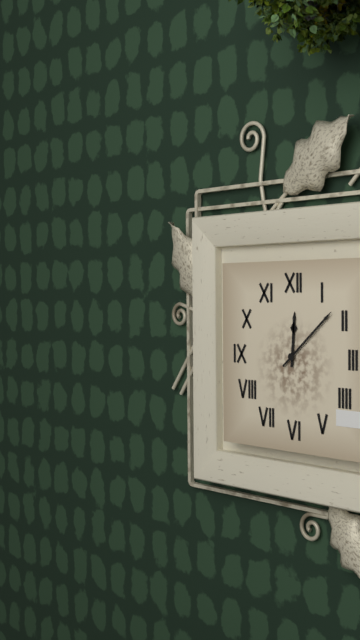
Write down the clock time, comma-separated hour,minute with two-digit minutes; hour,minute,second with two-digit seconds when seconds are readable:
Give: 12,08
